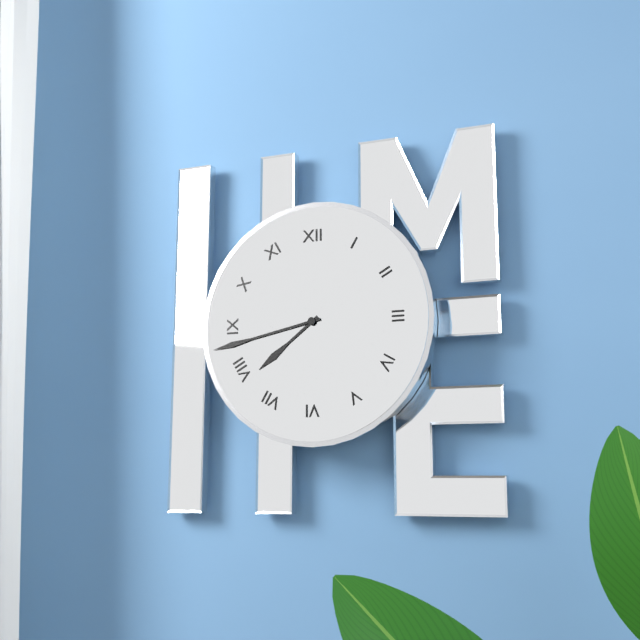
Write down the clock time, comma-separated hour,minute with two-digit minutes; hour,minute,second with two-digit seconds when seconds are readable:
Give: 7,43
